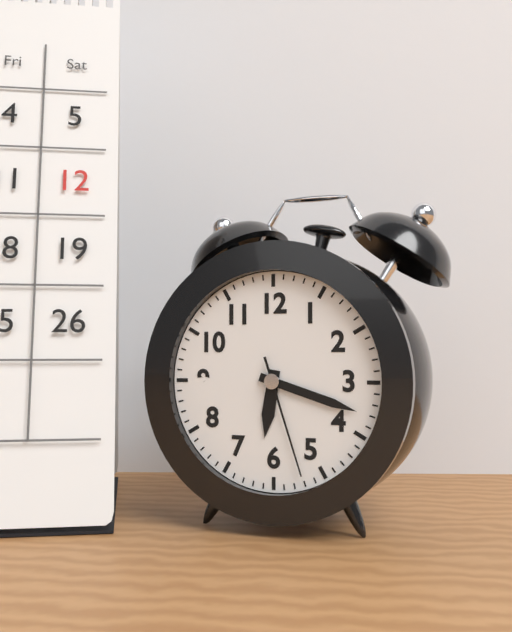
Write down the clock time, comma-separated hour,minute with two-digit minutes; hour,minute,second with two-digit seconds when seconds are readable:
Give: 6,18,27
